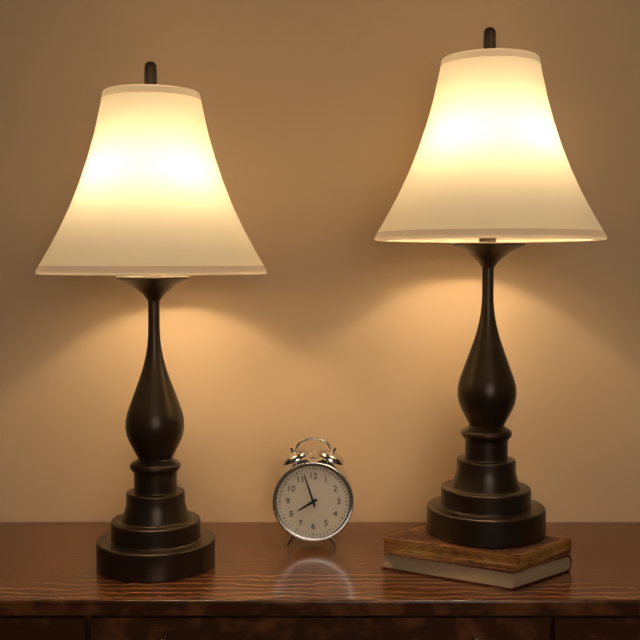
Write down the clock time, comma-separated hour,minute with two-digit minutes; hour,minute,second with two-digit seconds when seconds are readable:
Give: 7,57
